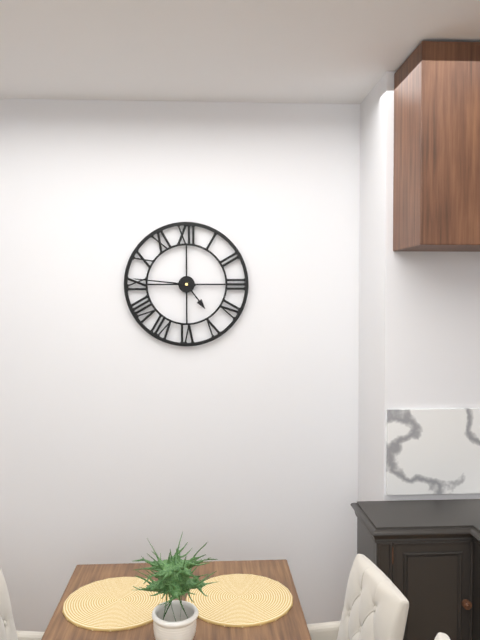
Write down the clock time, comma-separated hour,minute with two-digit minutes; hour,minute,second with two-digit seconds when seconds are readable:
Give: 4,46
